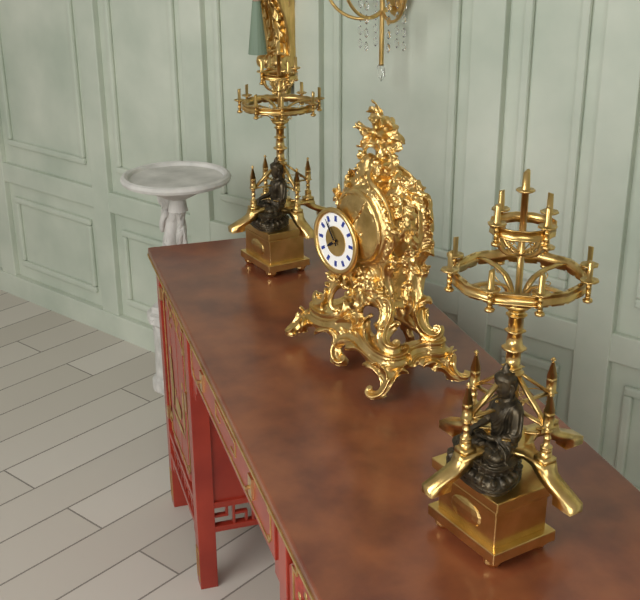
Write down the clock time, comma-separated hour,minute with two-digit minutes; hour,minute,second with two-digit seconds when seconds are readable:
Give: 7,54
